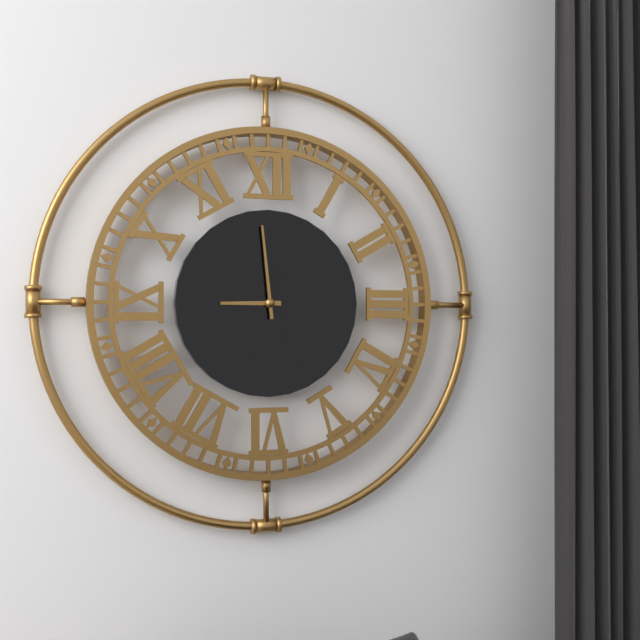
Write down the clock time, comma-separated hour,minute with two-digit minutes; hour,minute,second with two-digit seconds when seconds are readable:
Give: 8,59
